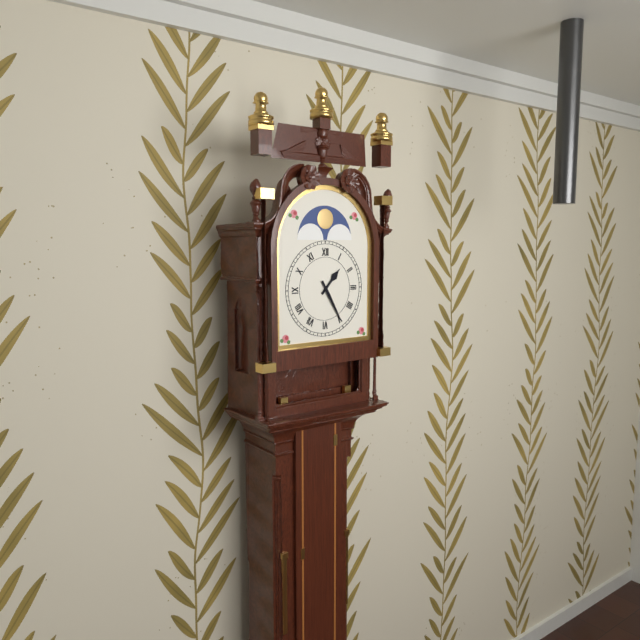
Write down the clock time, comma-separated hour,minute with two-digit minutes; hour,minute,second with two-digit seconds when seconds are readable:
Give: 1,25
